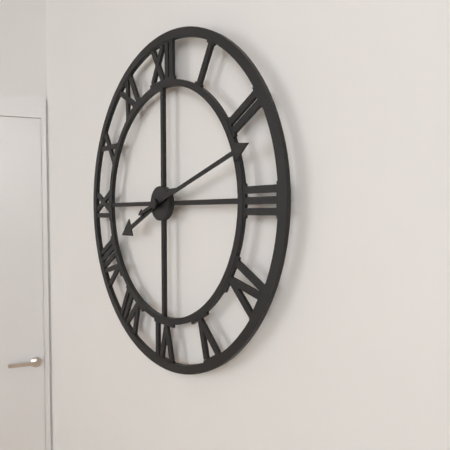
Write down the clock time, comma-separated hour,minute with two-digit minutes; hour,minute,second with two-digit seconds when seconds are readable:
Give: 8,12
